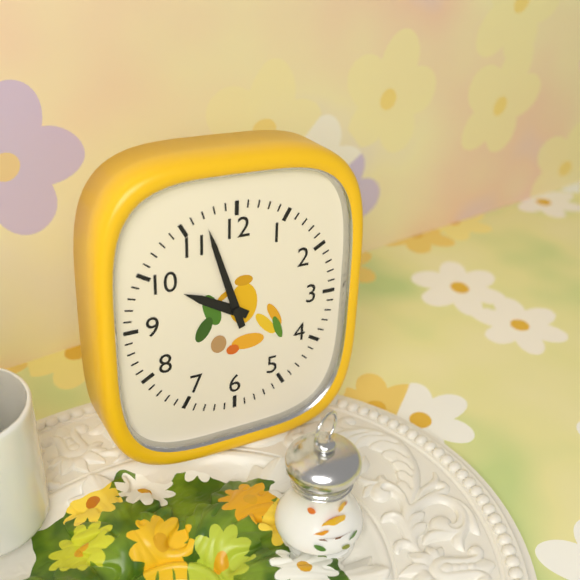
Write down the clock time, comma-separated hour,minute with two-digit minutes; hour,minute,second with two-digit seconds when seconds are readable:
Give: 9,57
